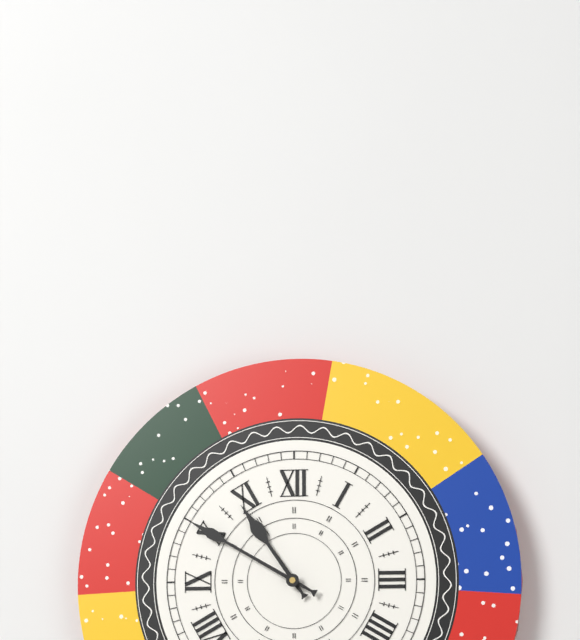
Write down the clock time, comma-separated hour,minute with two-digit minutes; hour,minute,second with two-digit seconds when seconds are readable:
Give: 10,50
